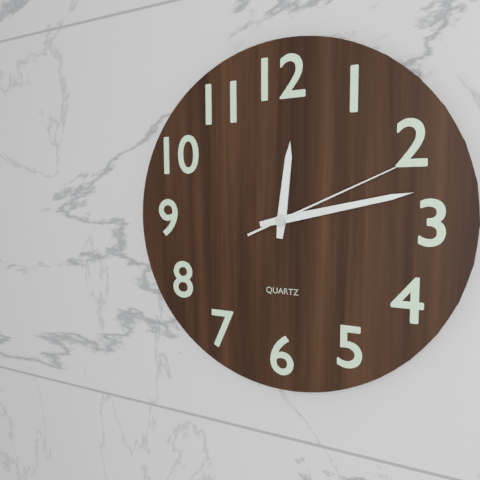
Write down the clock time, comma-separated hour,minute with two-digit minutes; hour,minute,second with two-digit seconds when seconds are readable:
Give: 12,13,11
